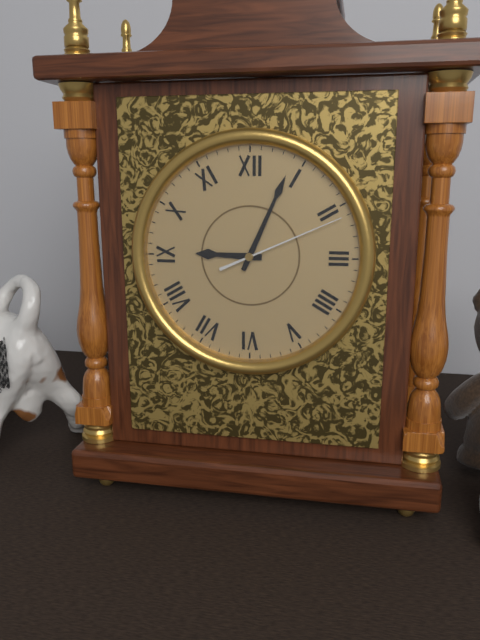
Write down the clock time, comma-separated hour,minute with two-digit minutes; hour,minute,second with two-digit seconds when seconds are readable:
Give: 9,04,11
